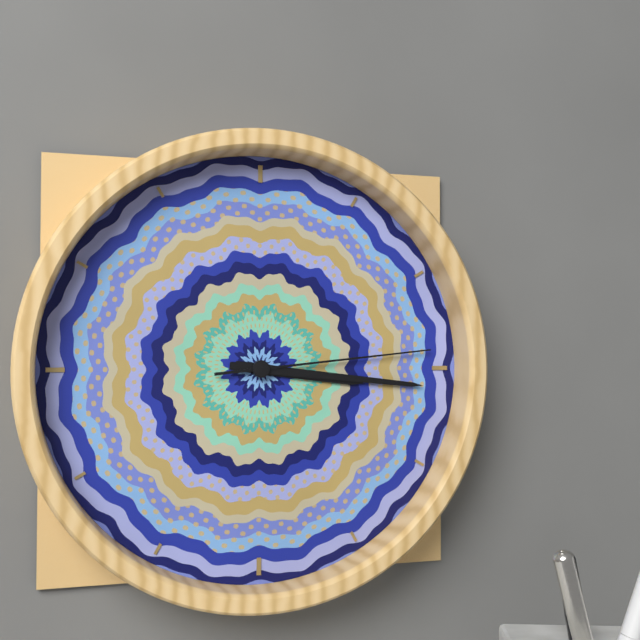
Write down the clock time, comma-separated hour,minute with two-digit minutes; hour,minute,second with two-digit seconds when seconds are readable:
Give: 3,16,14
